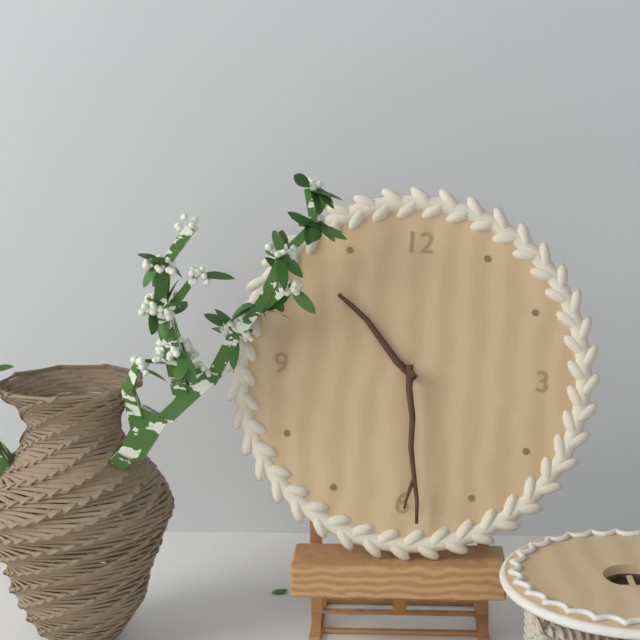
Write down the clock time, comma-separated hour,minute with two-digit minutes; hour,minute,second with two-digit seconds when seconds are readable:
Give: 10,29
